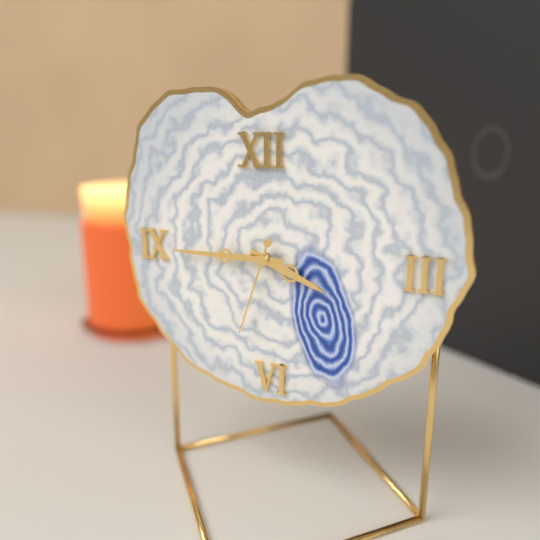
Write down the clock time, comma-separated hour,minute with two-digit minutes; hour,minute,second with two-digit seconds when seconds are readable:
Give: 3,45,33
